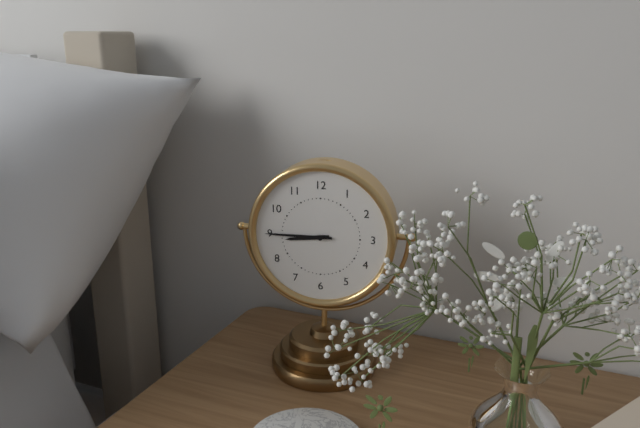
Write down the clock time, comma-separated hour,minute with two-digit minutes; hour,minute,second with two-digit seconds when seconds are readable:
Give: 8,45
